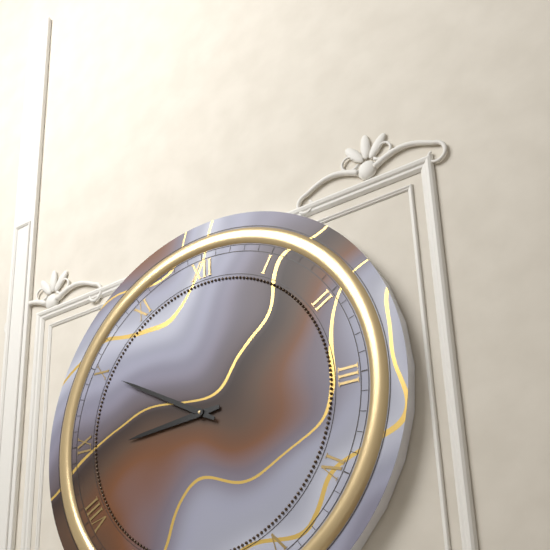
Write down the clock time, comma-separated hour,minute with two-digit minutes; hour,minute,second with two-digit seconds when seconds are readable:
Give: 8,50
